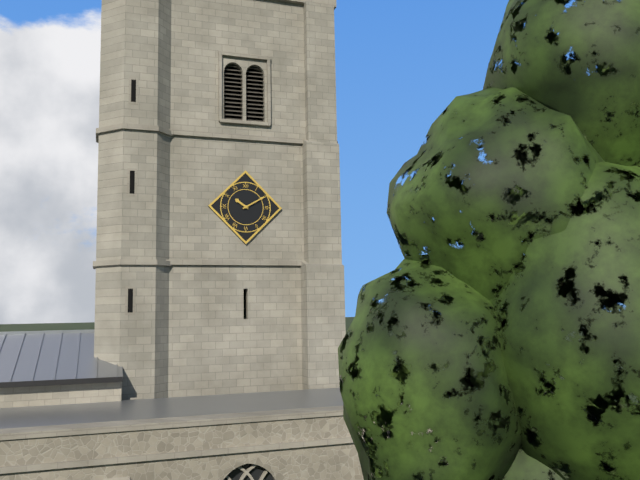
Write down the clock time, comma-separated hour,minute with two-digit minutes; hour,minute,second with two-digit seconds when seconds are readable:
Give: 10,10
